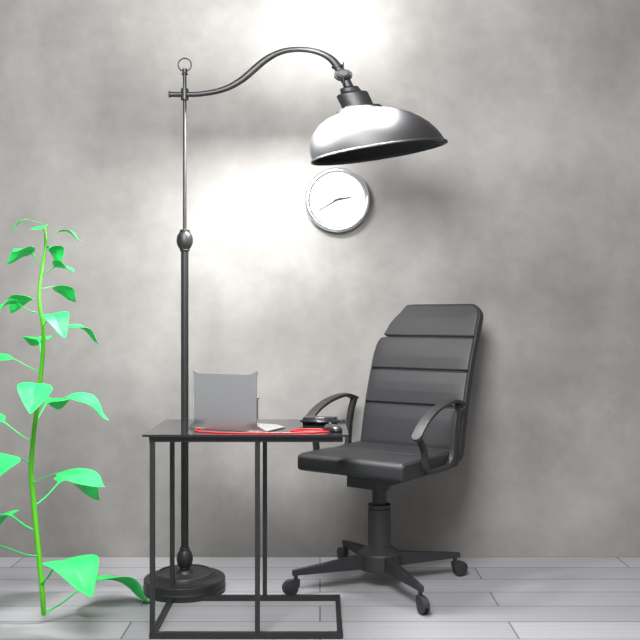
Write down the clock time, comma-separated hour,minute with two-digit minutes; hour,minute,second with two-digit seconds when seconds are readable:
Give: 2,40
